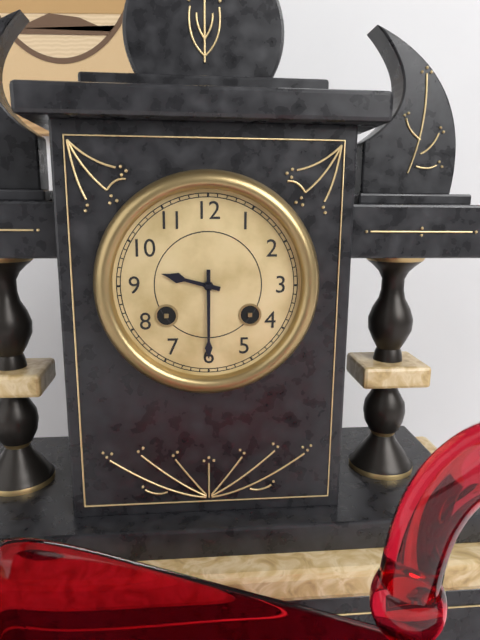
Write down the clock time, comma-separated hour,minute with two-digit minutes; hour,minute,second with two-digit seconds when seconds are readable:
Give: 9,30
